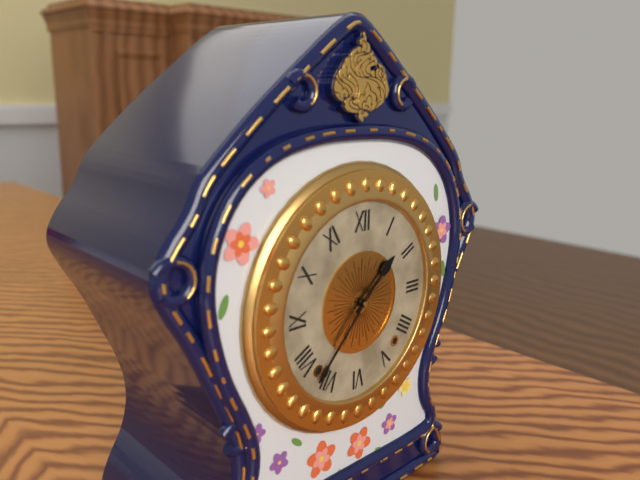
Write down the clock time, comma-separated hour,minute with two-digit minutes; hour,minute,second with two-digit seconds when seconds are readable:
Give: 1,37
